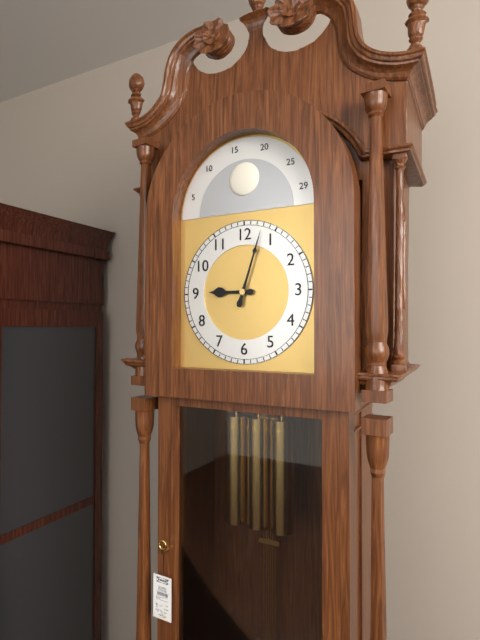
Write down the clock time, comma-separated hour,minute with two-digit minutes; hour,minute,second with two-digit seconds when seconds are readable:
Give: 9,03
